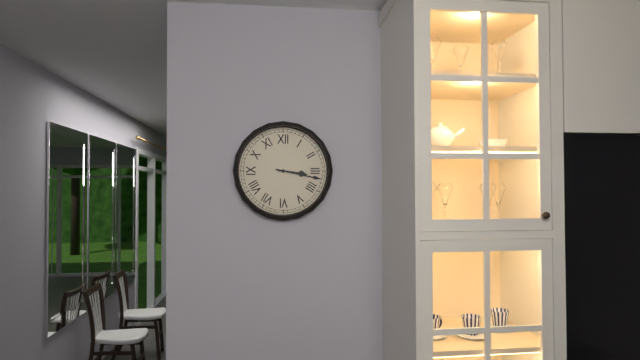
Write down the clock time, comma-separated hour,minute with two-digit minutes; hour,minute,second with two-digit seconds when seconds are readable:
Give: 3,17
